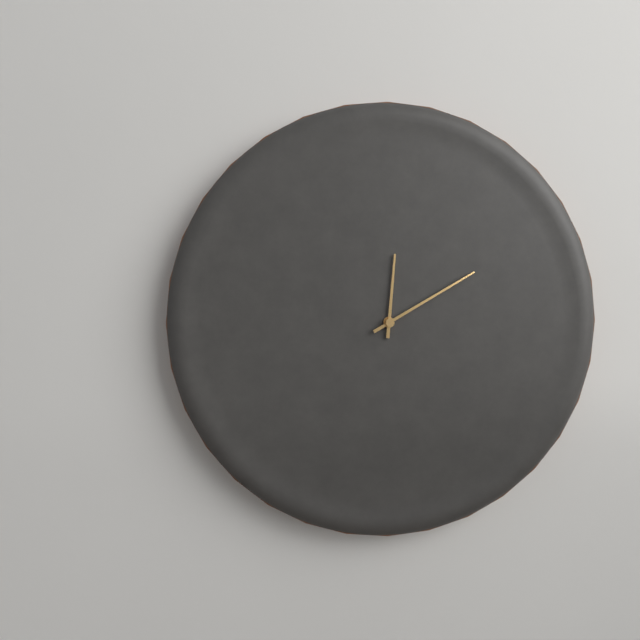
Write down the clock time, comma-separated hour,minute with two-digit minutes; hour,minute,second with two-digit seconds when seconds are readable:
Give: 12,10
